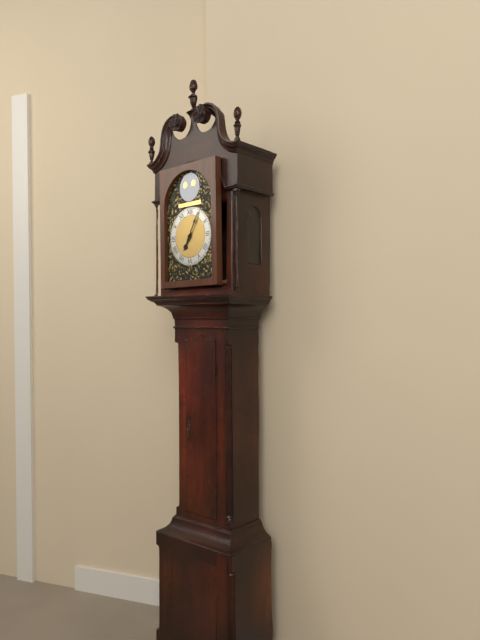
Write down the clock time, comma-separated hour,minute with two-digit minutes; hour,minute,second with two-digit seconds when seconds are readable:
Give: 7,05
